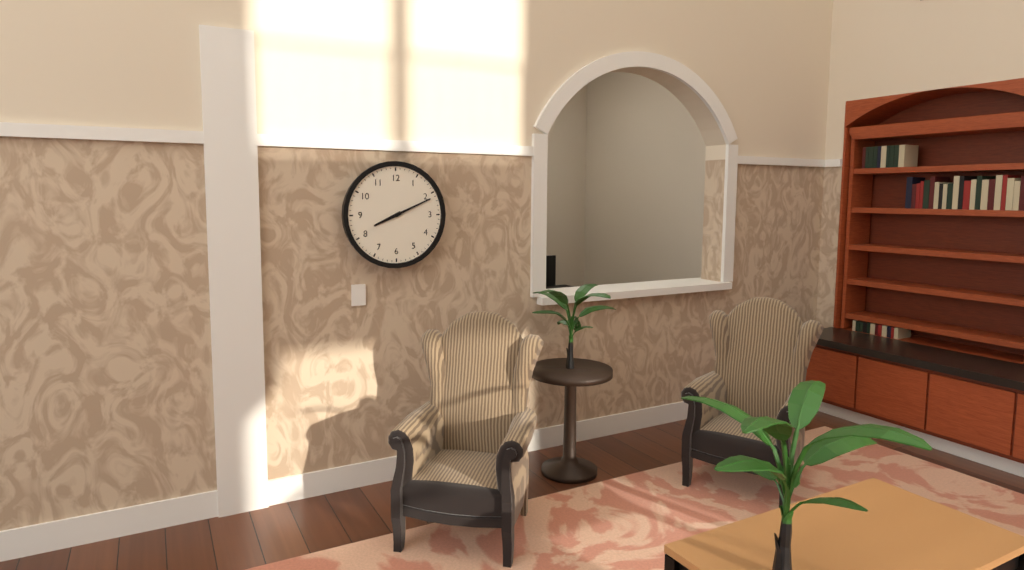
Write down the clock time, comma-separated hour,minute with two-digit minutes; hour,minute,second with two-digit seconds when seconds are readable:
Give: 8,11
